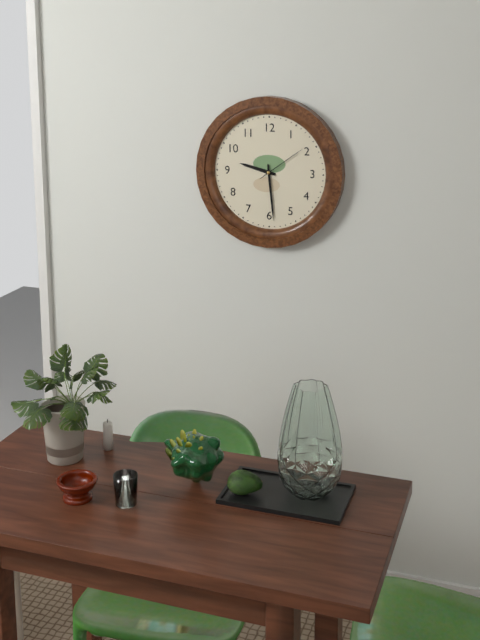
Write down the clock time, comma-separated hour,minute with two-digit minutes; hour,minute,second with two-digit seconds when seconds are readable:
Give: 9,29,09
